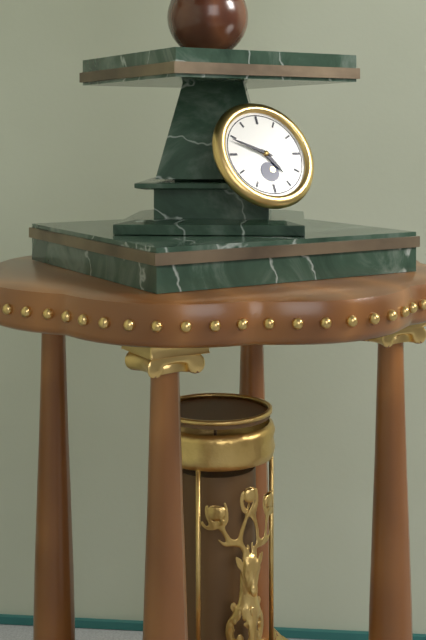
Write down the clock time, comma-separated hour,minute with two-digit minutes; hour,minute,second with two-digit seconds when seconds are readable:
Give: 4,49
